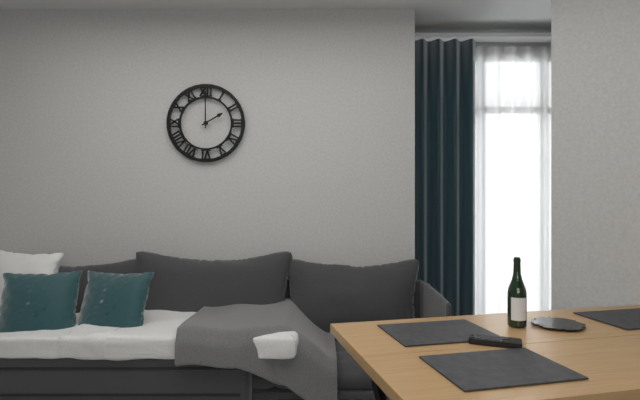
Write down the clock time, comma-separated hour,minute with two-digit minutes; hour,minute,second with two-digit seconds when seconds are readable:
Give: 2,00
